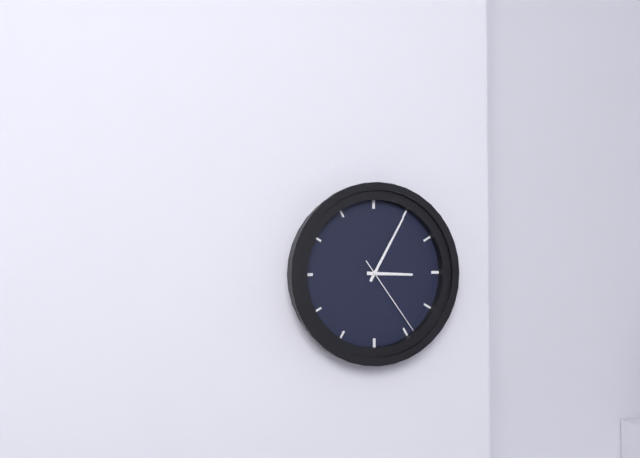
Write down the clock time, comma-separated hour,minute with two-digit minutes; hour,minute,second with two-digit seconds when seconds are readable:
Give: 3,05,24
